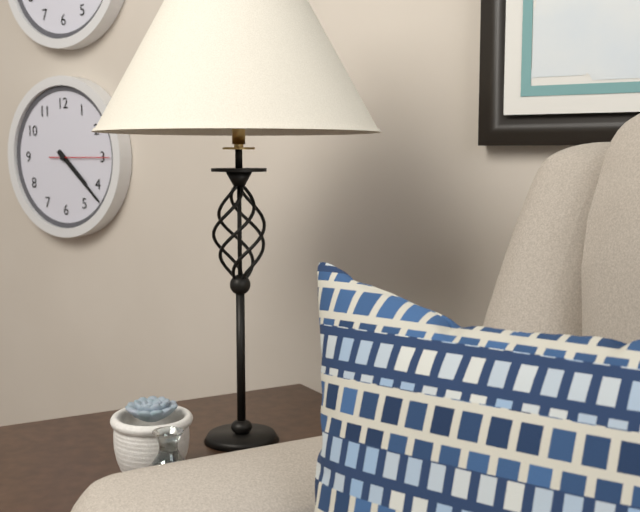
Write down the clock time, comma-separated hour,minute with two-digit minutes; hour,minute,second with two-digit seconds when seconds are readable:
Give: 4,22,15
